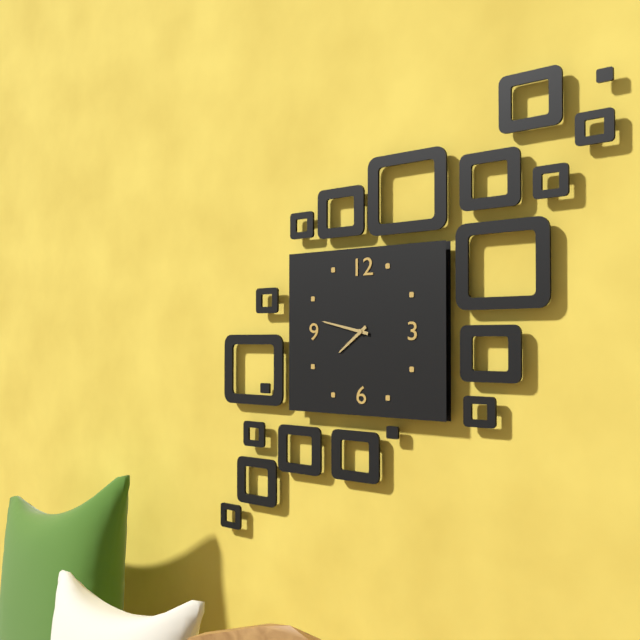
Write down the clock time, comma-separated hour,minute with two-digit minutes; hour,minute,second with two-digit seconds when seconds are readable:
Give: 7,47
